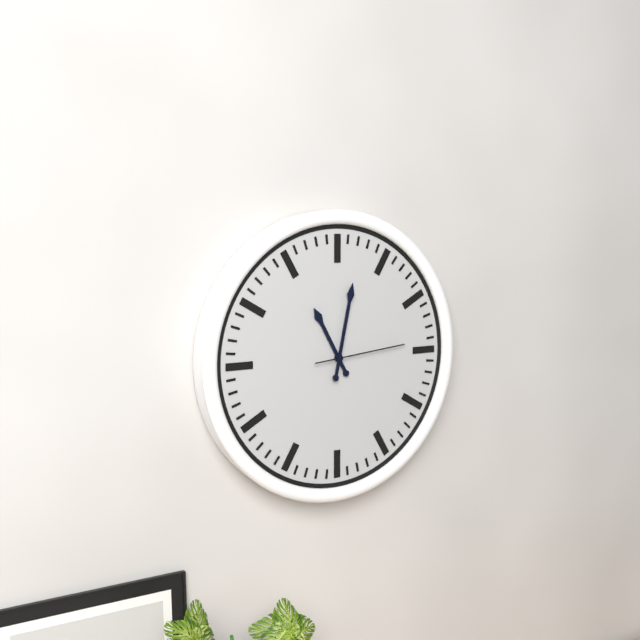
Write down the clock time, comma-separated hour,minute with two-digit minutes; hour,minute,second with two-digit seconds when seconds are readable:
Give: 11,02,14
